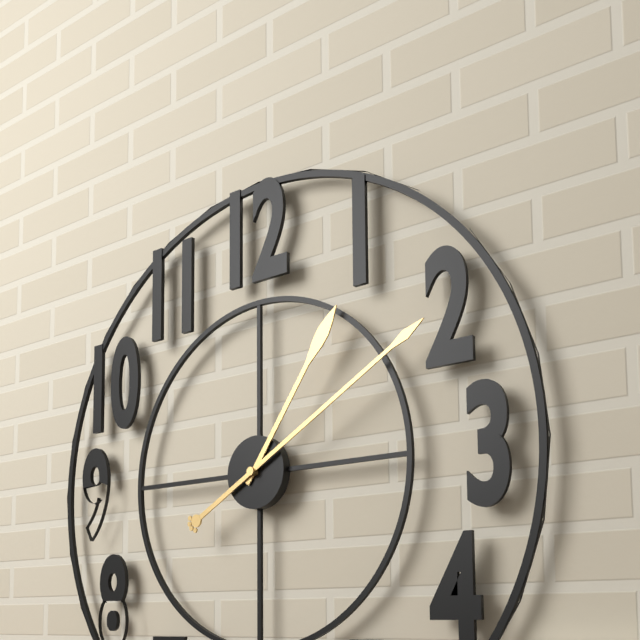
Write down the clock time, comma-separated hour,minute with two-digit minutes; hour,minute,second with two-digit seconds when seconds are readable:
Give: 1,10
